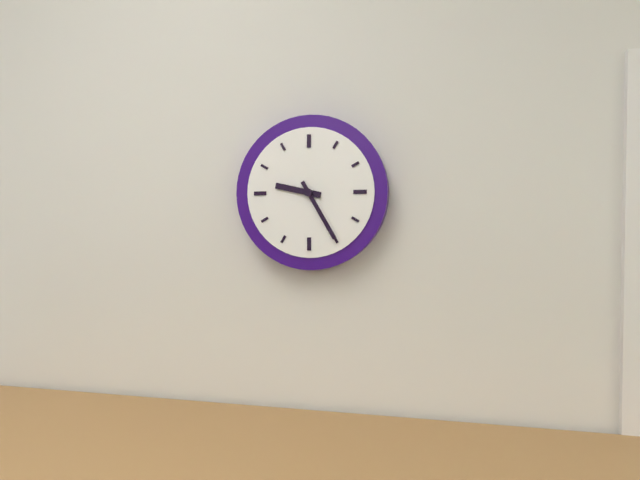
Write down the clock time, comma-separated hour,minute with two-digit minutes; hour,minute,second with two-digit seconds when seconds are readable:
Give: 9,25
